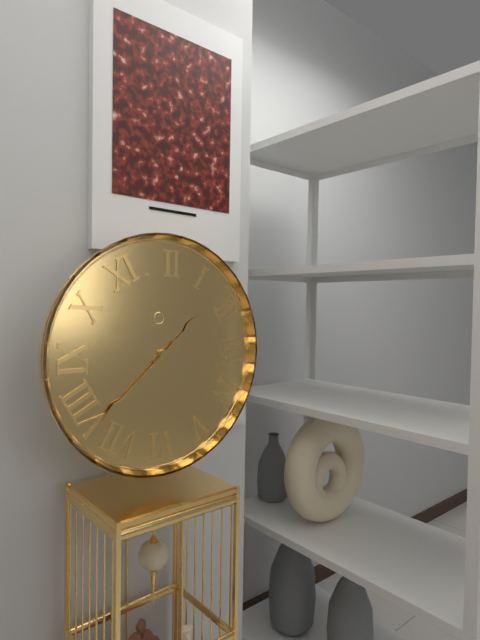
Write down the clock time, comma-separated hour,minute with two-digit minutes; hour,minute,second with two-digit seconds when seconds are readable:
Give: 1,38
